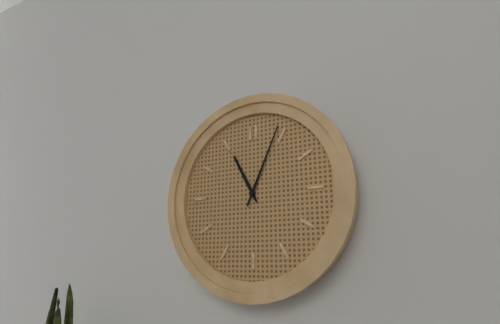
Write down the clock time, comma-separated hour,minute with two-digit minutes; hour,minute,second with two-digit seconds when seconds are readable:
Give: 11,04
